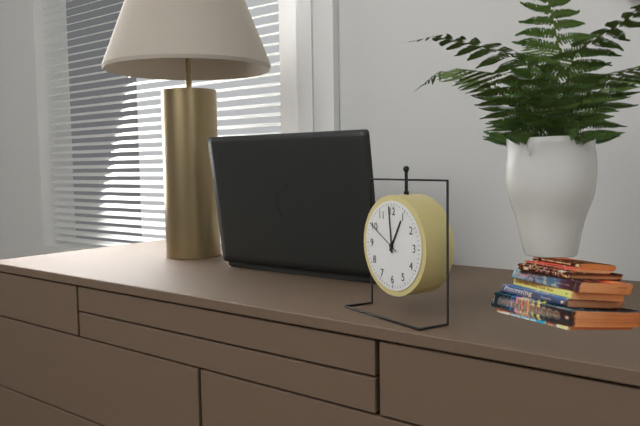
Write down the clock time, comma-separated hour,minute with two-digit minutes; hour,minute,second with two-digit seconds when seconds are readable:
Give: 12,59,50
